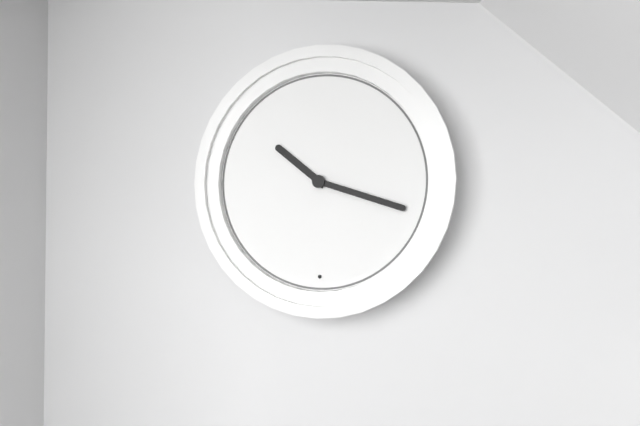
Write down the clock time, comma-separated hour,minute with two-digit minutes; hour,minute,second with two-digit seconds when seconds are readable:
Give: 10,18
